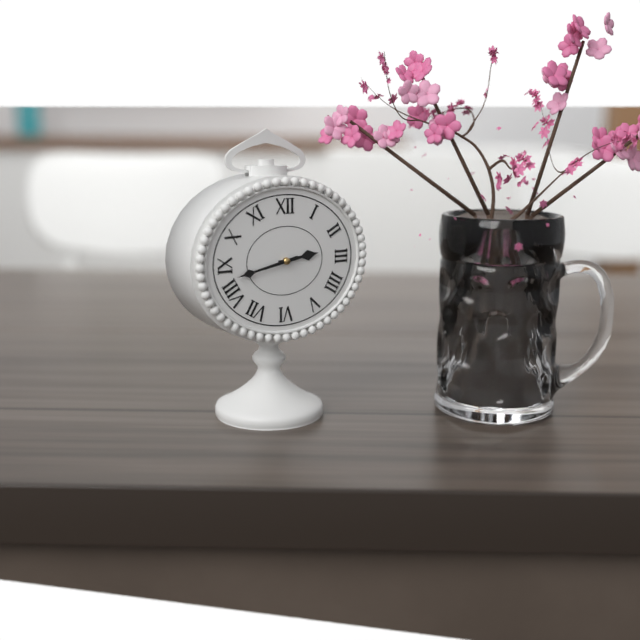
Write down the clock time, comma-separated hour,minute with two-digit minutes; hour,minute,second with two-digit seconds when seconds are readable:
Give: 2,43
